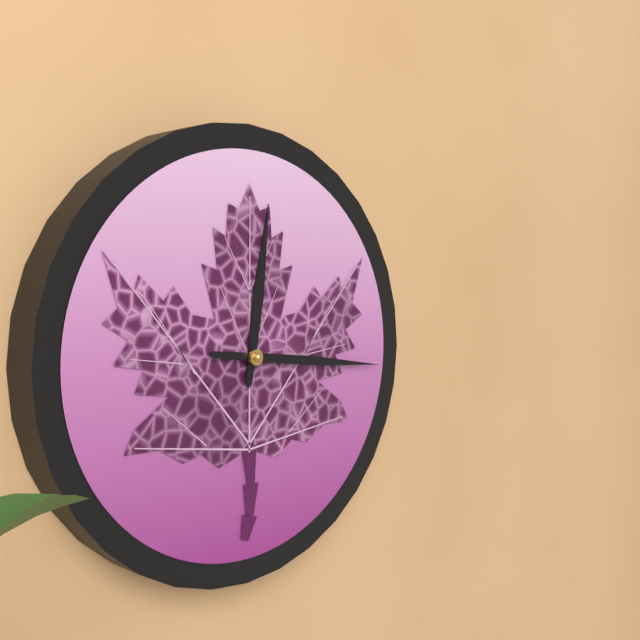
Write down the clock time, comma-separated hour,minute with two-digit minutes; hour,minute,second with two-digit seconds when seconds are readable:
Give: 12,16
